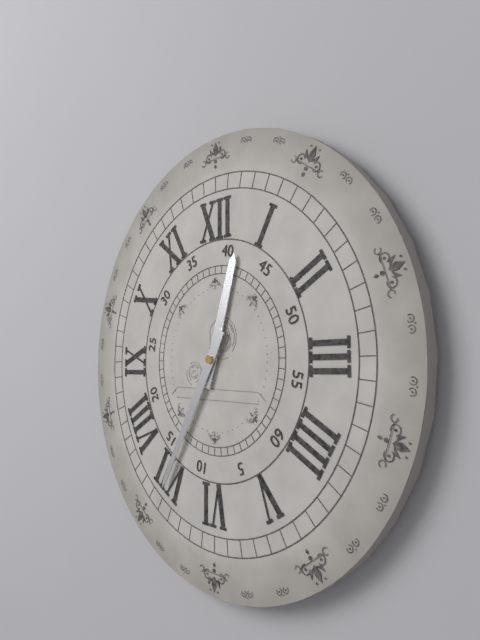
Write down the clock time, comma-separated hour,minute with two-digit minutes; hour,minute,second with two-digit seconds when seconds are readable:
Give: 12,35
